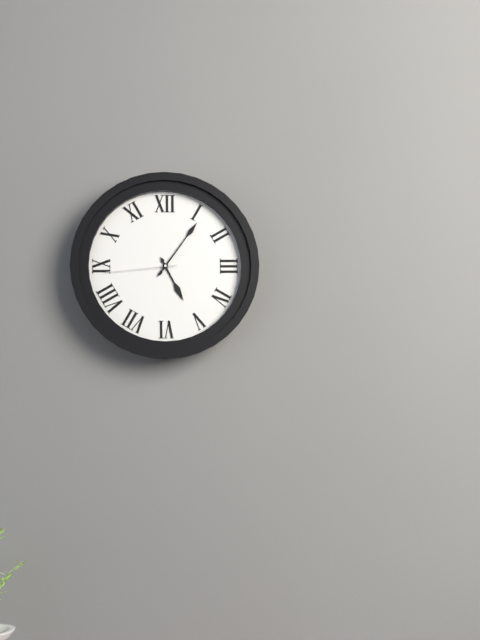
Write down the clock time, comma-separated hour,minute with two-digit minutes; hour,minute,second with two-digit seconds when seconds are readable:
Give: 5,06,44
